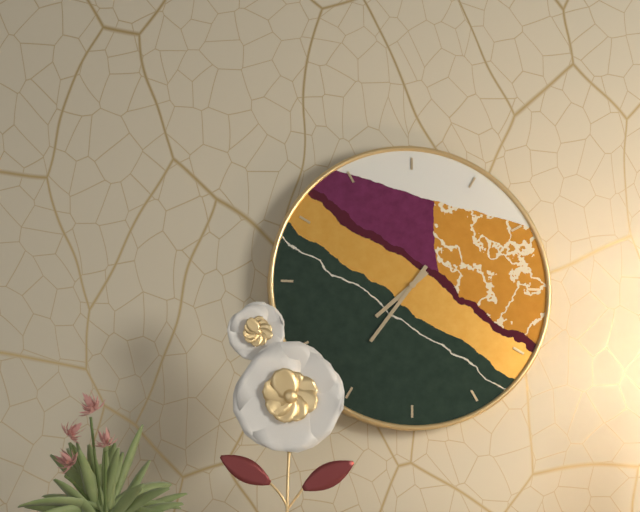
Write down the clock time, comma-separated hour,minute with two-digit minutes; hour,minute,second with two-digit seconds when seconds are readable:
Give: 7,36
